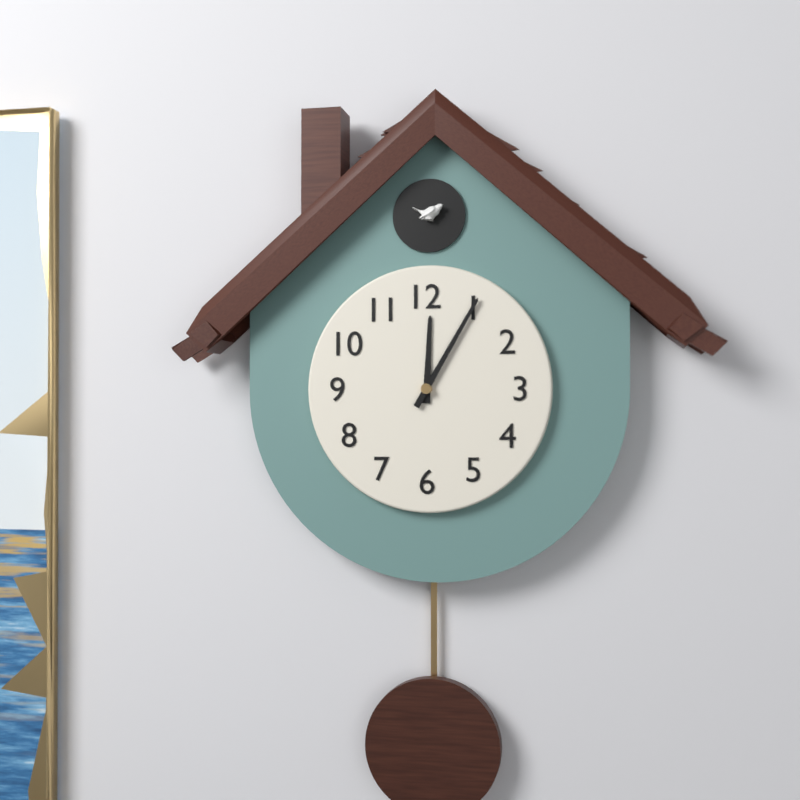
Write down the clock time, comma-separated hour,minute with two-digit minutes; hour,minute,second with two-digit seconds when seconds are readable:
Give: 12,05
